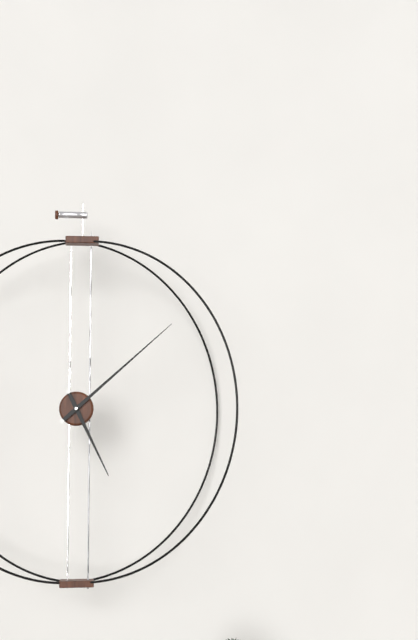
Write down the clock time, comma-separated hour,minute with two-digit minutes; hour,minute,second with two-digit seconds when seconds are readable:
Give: 5,08
